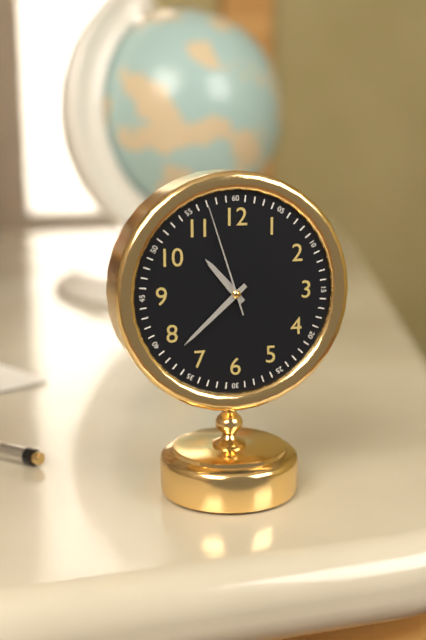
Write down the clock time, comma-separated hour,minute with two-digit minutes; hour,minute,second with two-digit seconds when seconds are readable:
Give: 10,38,57
